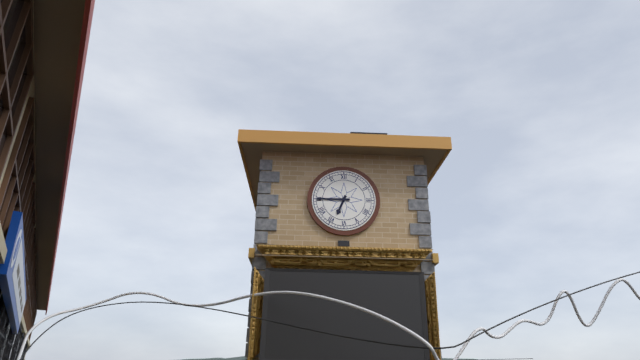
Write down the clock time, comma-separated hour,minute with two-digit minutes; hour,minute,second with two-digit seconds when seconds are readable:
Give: 6,45
